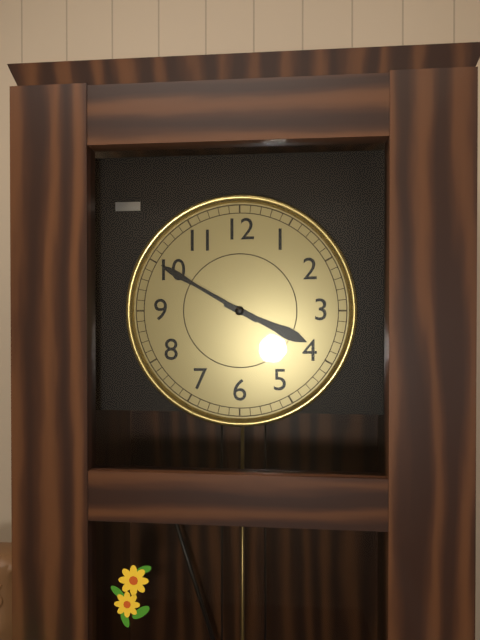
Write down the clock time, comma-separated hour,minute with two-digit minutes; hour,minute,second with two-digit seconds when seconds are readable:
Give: 3,50
